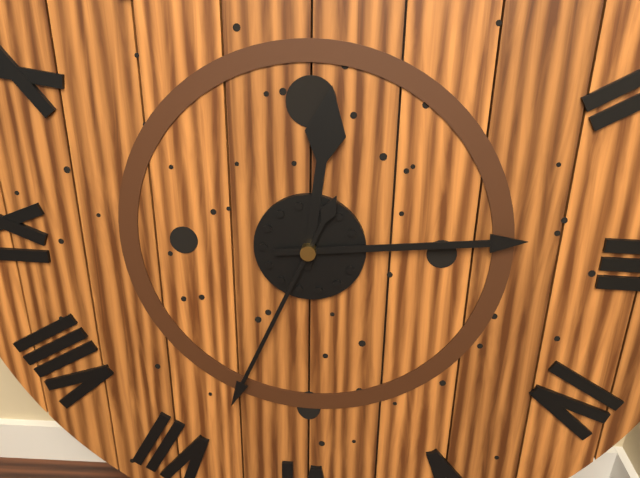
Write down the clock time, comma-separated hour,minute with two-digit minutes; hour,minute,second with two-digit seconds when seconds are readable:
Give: 12,14,34
